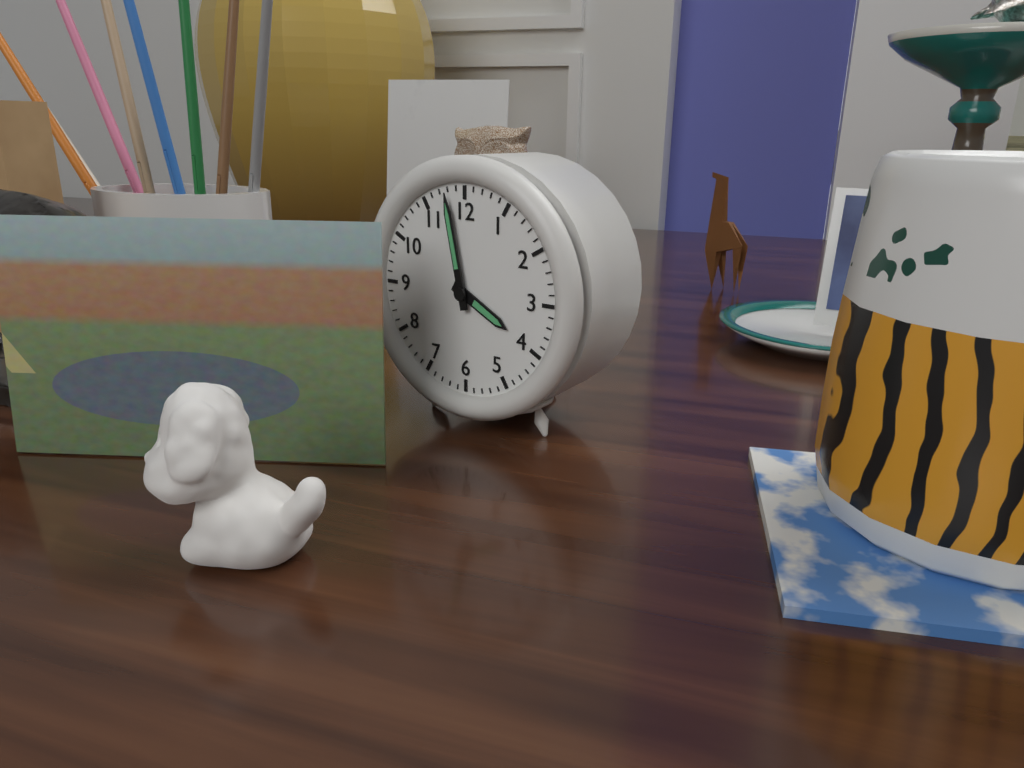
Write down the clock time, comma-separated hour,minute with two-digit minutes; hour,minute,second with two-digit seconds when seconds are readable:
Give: 3,58
